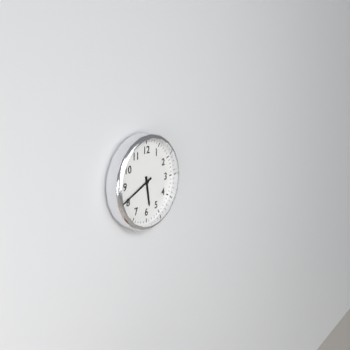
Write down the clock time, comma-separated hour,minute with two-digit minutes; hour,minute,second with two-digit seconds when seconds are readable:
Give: 5,41
